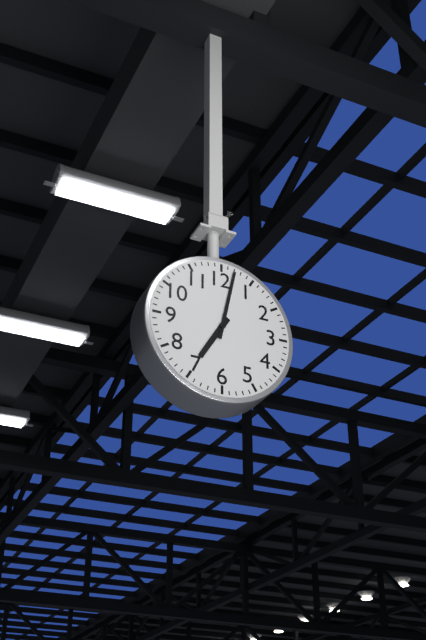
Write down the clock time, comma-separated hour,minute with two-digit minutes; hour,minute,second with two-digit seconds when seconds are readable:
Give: 7,02
